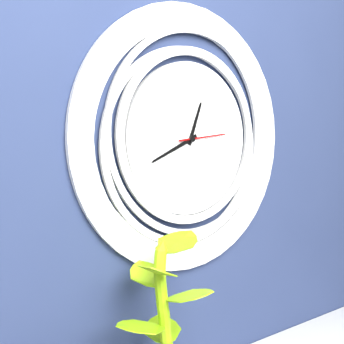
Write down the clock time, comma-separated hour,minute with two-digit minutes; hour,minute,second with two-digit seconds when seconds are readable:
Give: 12,41
